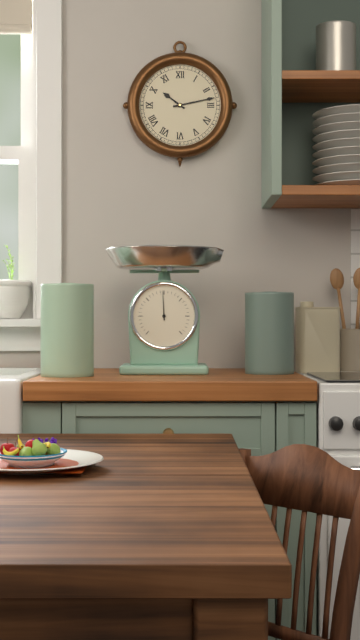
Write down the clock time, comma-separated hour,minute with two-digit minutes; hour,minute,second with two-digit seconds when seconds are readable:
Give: 10,13
